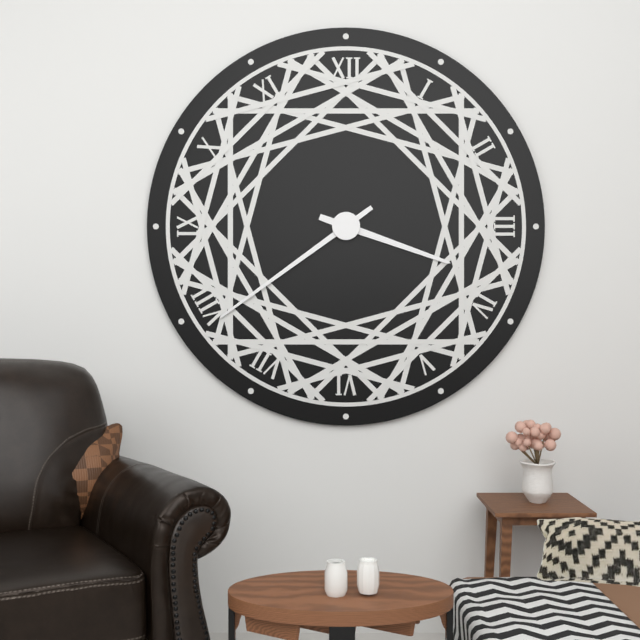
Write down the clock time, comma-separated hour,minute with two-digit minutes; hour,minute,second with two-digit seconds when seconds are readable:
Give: 3,39
